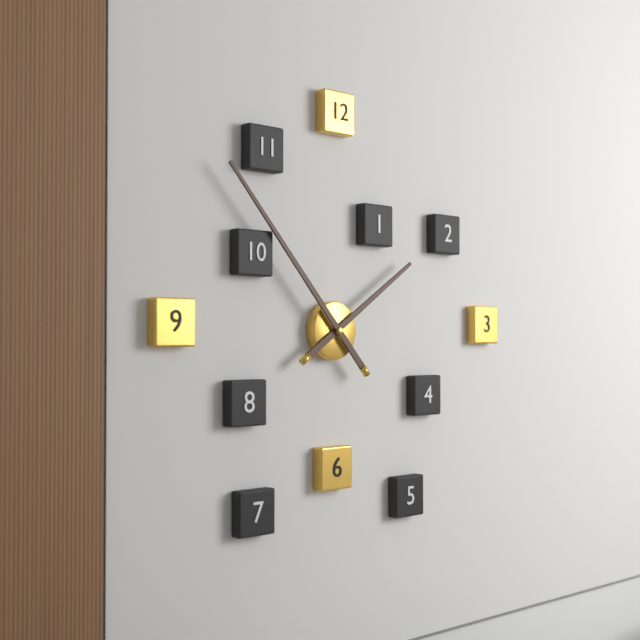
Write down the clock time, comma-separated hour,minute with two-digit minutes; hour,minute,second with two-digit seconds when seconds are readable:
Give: 1,53
